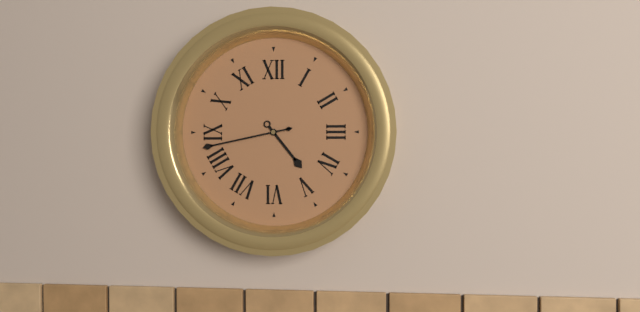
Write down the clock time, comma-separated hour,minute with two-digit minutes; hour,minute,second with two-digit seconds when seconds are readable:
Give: 4,43
